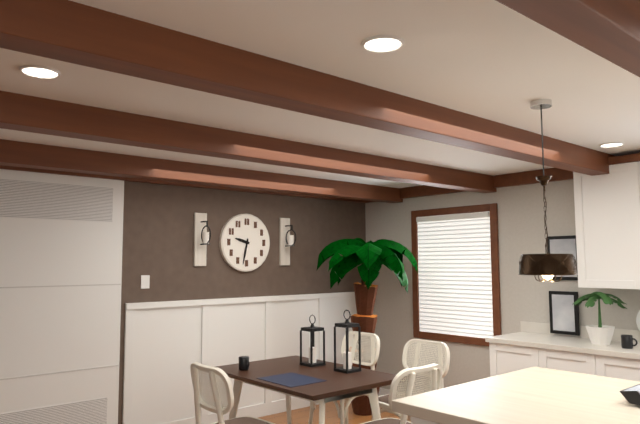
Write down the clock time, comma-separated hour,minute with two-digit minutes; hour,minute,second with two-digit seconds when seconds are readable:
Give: 9,32
